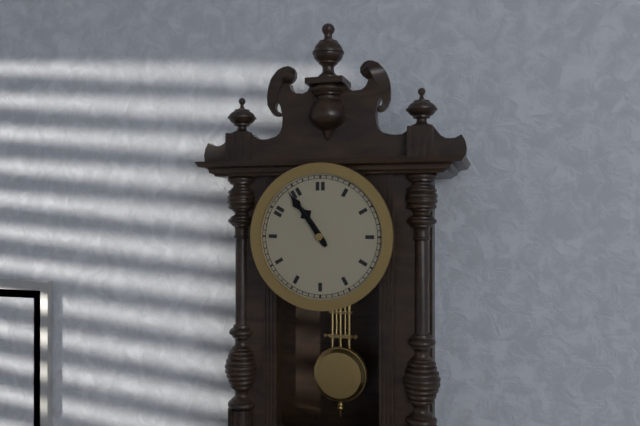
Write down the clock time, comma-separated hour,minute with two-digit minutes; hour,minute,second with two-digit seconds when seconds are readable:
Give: 10,54
